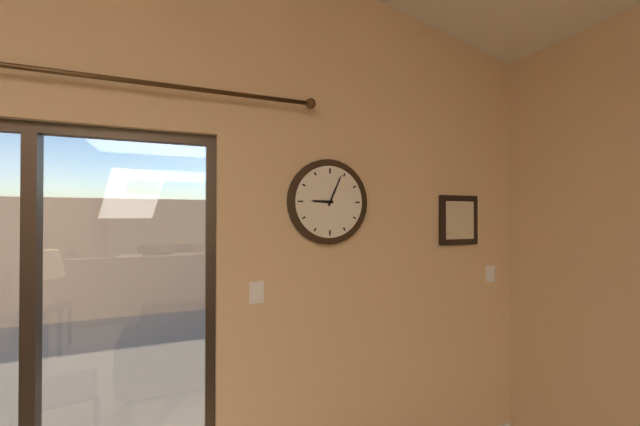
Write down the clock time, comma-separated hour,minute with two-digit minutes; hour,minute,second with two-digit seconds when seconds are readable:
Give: 9,04
